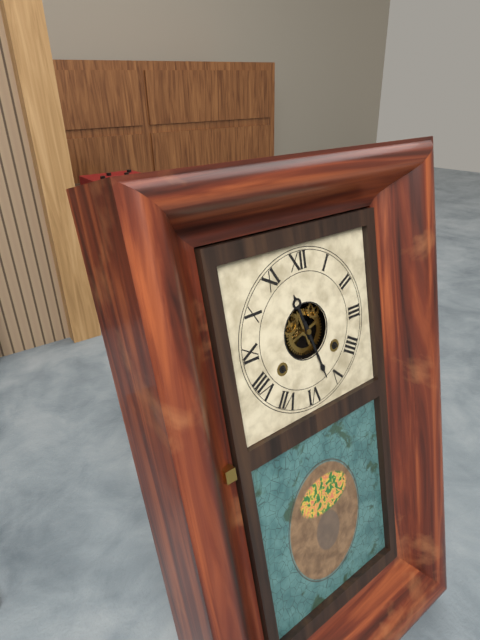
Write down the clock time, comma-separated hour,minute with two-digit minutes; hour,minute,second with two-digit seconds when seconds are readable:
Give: 11,27
